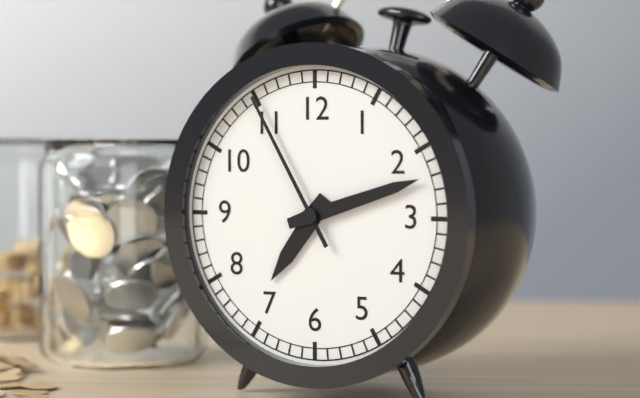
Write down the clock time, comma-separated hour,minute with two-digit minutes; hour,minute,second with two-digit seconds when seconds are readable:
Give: 7,12,55
